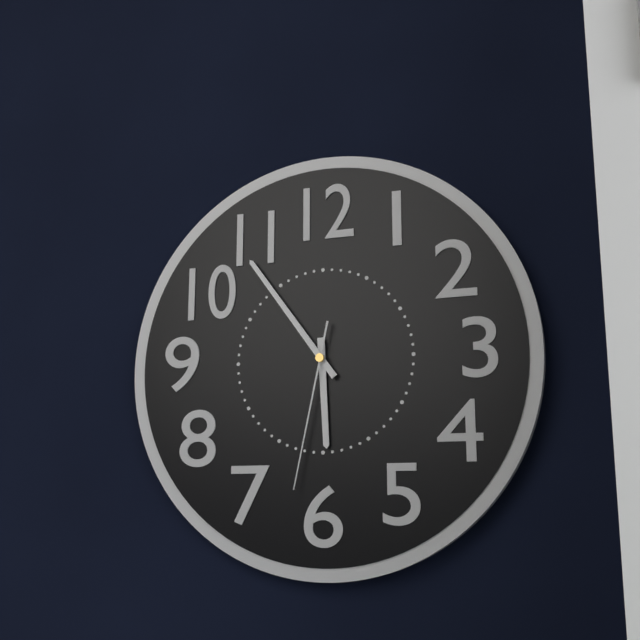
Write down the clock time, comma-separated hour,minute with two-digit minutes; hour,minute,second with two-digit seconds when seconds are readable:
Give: 5,54,32
